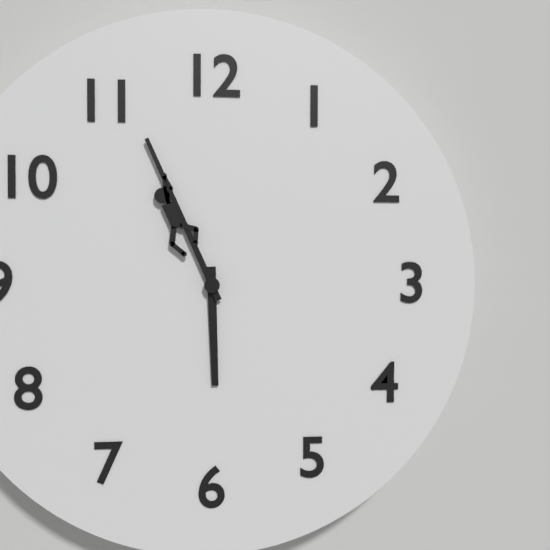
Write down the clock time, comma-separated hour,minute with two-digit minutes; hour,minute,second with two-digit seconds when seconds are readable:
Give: 5,56
